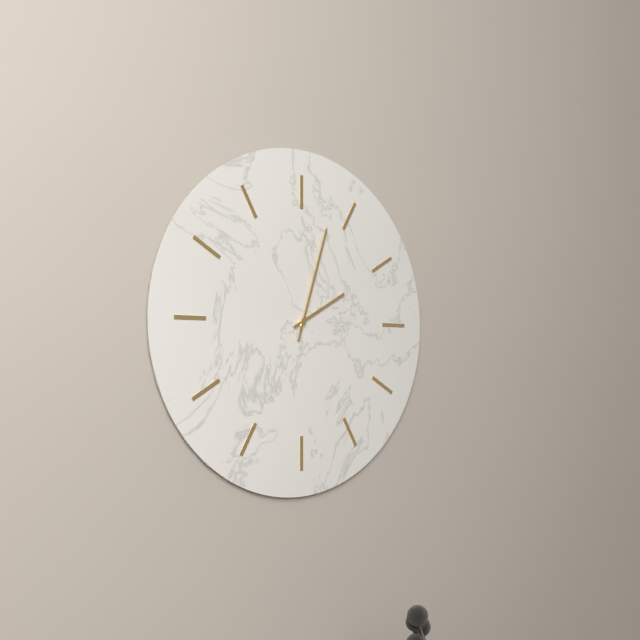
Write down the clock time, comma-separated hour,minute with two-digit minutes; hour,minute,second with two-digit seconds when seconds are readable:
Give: 2,03
